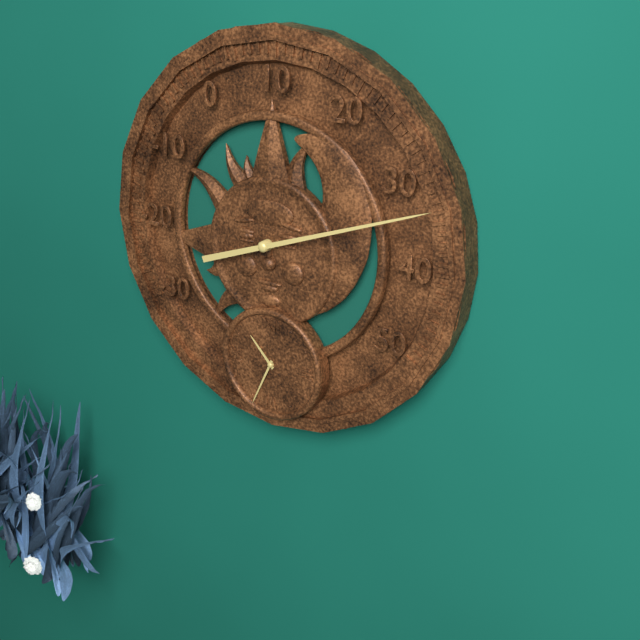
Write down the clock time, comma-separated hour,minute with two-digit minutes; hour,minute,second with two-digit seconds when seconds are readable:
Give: 10,34
